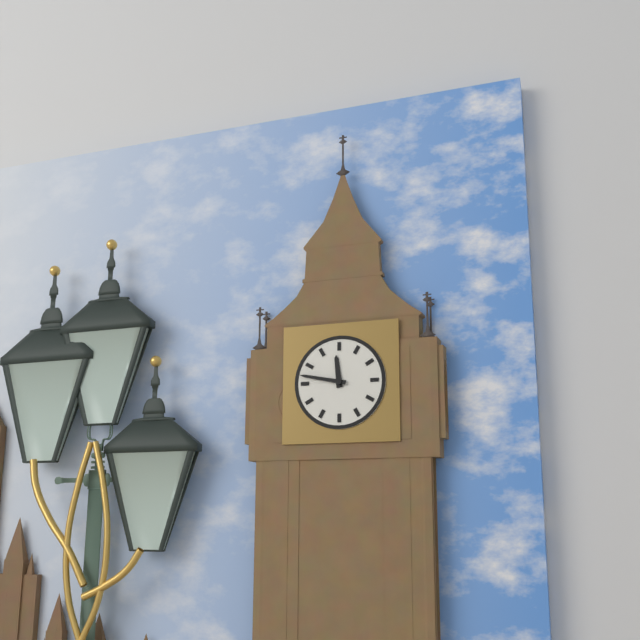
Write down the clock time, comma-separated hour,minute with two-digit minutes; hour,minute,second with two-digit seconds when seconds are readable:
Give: 11,47
